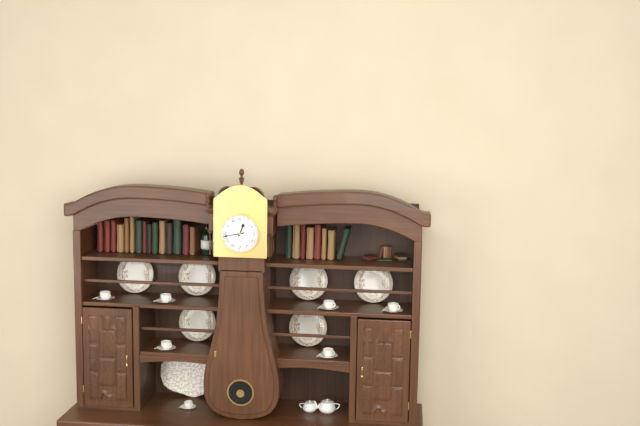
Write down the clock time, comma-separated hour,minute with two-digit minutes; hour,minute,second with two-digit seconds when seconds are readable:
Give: 12,43
